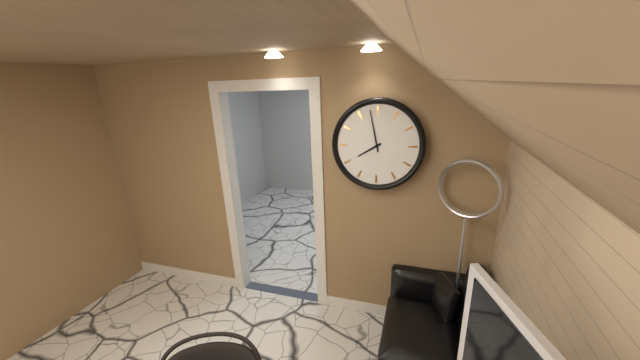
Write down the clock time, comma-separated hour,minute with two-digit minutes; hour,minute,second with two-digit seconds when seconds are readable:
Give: 7,58
